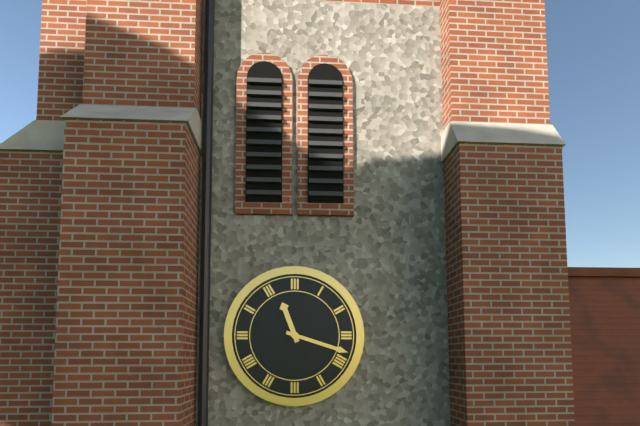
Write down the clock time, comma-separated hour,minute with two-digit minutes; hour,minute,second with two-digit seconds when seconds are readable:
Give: 11,18
